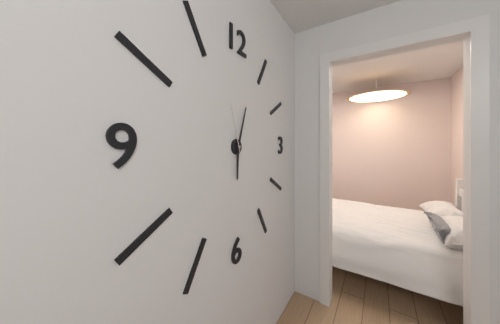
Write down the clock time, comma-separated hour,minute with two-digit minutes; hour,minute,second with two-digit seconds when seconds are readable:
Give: 6,03,57
